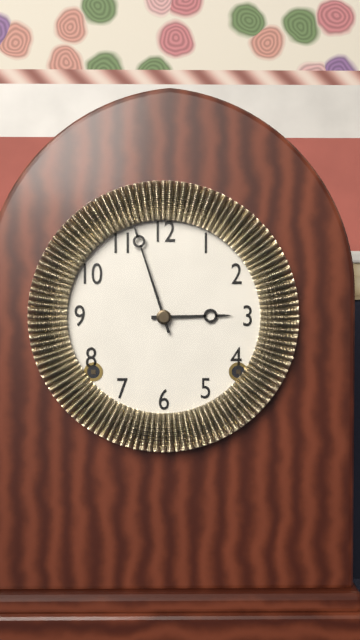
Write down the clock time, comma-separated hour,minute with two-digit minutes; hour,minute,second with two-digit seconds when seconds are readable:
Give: 2,57
